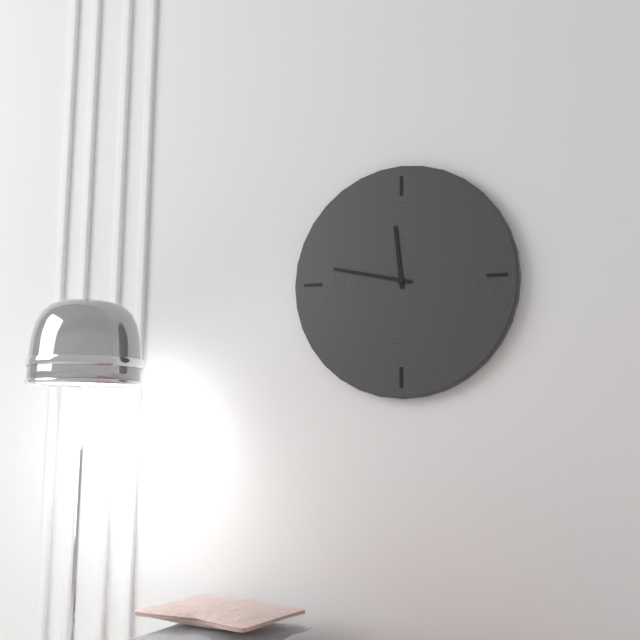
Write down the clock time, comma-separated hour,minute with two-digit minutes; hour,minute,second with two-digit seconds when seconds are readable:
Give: 11,47
